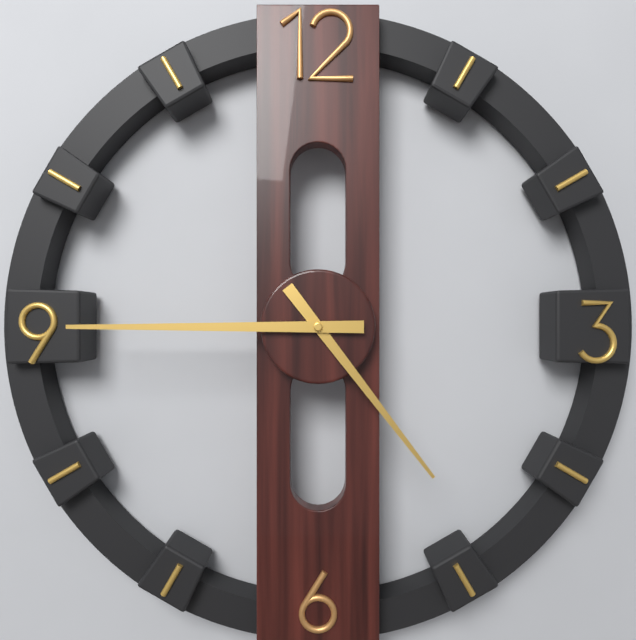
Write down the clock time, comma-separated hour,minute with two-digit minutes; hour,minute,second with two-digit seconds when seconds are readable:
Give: 4,45
